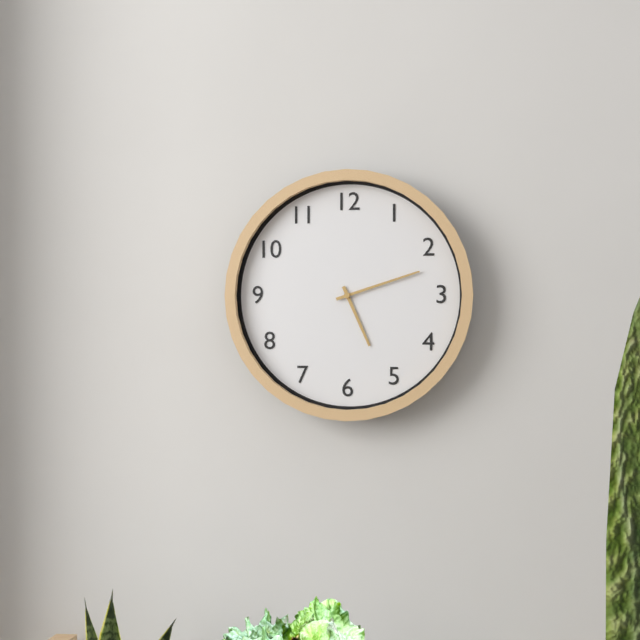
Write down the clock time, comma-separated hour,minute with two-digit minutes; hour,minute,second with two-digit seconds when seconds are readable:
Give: 5,12
